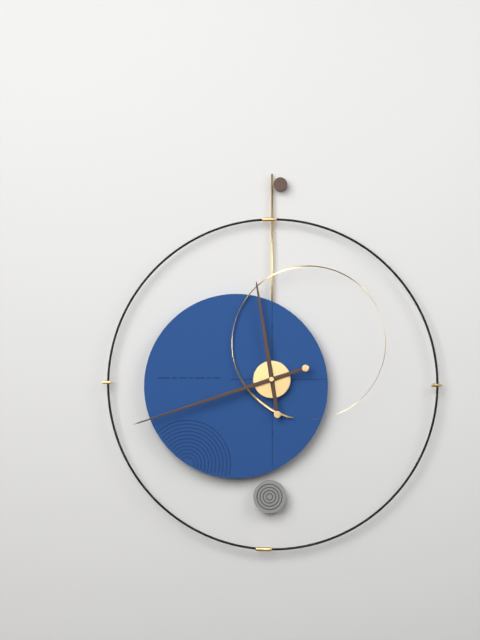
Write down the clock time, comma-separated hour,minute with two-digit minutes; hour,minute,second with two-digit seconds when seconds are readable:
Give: 11,42
